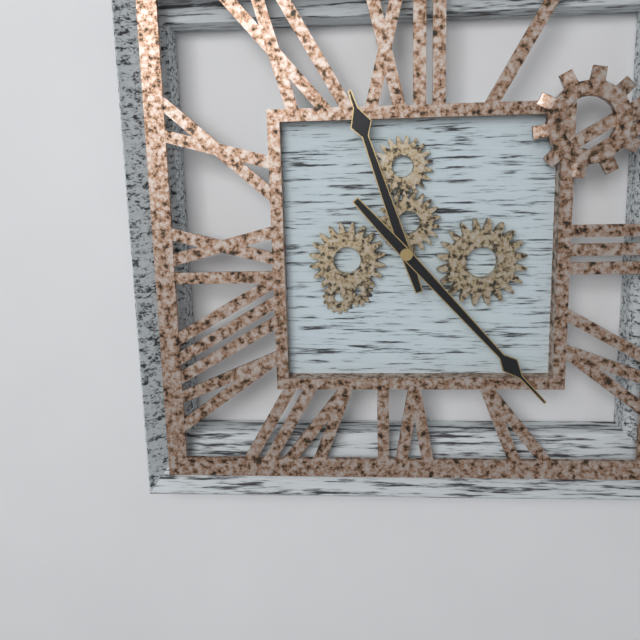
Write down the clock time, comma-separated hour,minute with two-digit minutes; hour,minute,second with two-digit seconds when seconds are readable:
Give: 11,23
